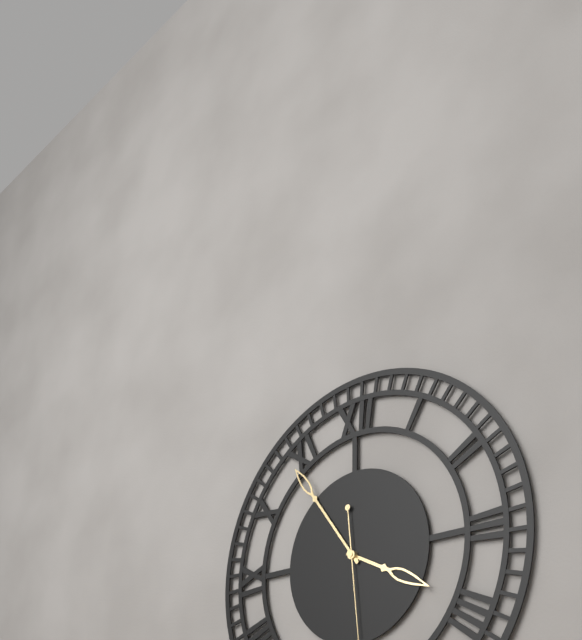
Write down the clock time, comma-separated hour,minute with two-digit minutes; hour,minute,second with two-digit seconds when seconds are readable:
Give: 3,54
